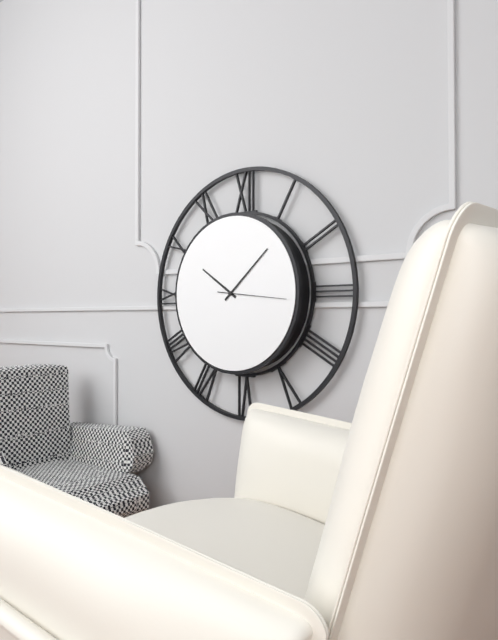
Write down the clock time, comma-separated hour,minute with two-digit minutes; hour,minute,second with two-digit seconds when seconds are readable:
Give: 10,08,16
